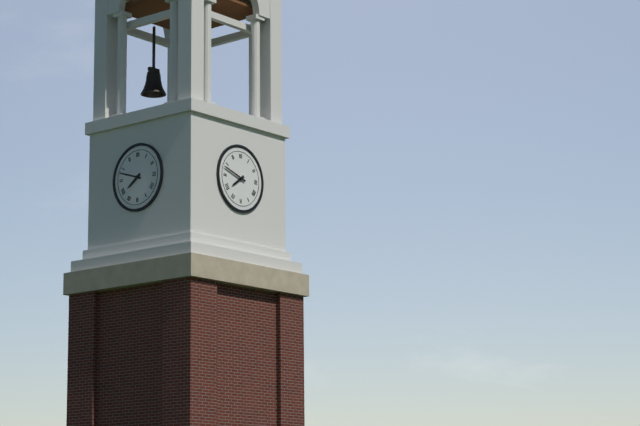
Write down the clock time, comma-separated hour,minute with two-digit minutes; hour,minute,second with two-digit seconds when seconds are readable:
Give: 7,48
